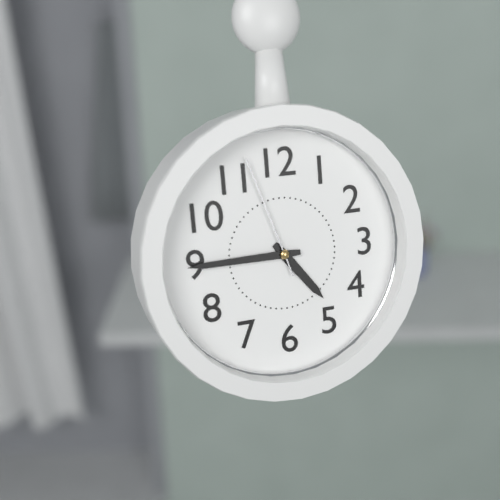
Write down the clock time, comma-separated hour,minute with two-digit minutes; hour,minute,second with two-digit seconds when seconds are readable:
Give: 4,45,57
